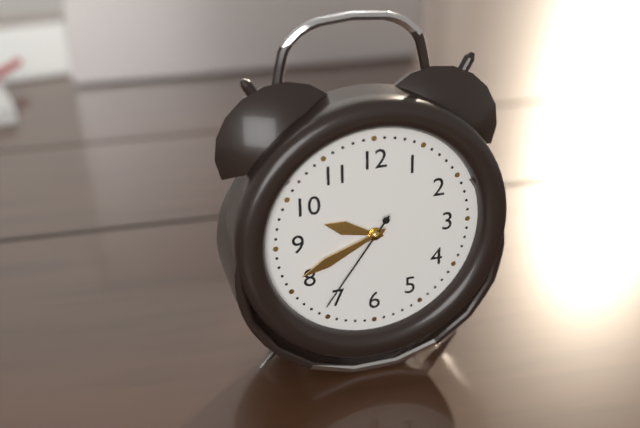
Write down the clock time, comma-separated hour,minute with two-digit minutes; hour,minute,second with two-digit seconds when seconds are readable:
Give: 9,41,36
